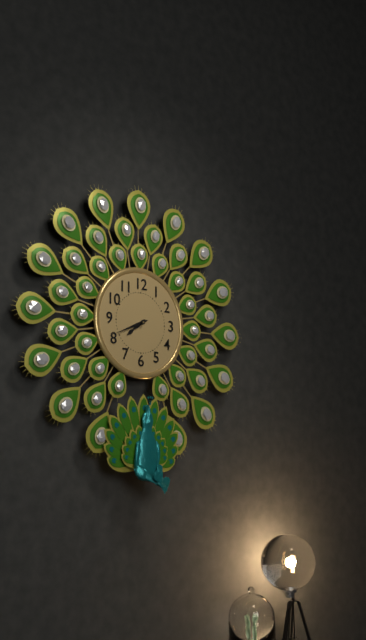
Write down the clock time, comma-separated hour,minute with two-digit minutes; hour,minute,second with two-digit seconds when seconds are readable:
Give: 7,41
